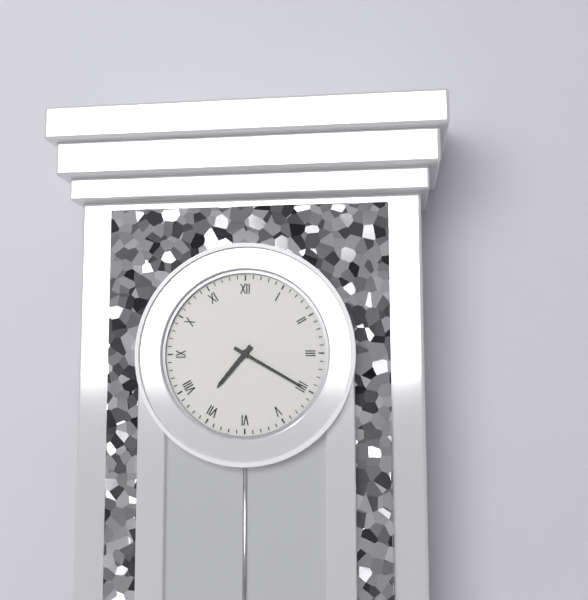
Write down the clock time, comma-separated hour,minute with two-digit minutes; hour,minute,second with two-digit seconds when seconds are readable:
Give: 7,20
